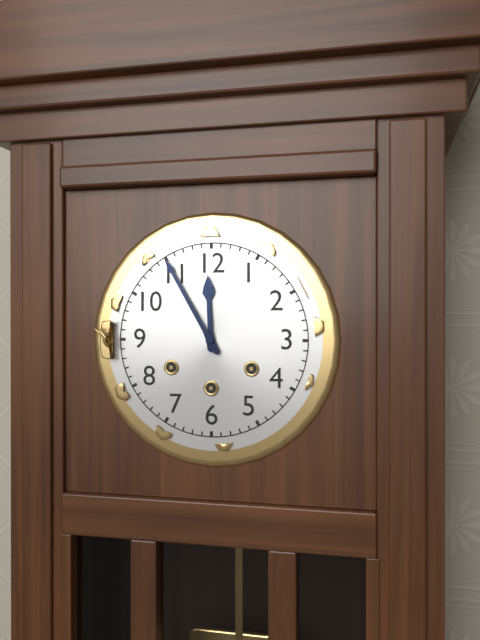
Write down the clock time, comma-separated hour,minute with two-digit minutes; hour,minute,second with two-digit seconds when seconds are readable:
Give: 11,55
